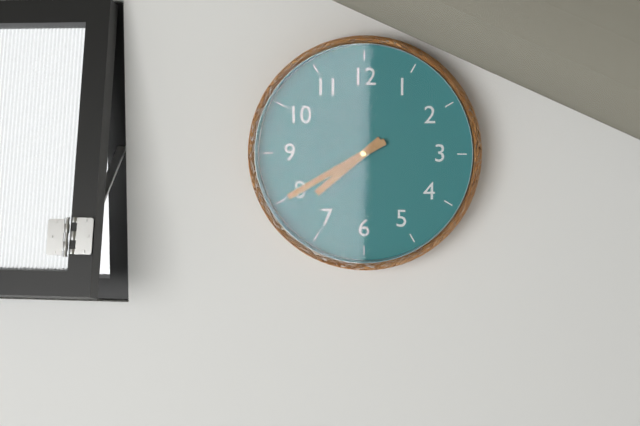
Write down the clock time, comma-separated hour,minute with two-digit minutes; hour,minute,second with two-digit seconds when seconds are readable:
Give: 7,40
